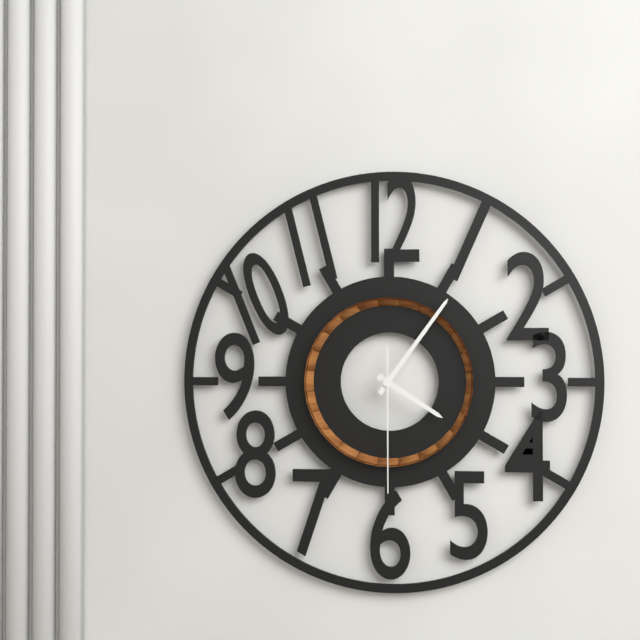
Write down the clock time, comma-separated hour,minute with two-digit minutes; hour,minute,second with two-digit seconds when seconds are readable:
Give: 4,06,30
